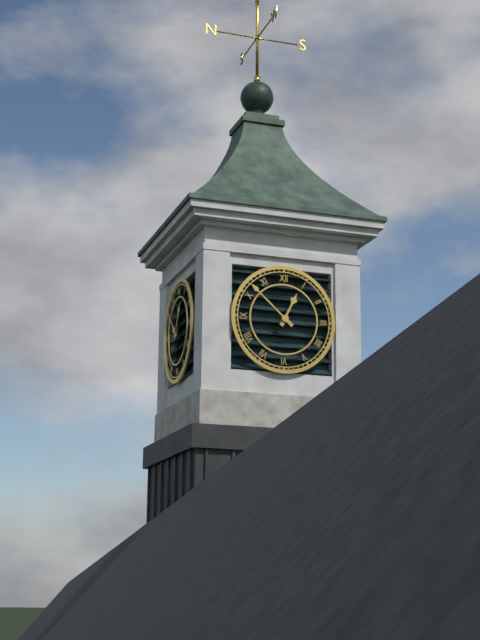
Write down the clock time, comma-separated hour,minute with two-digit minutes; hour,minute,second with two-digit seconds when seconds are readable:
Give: 12,52
